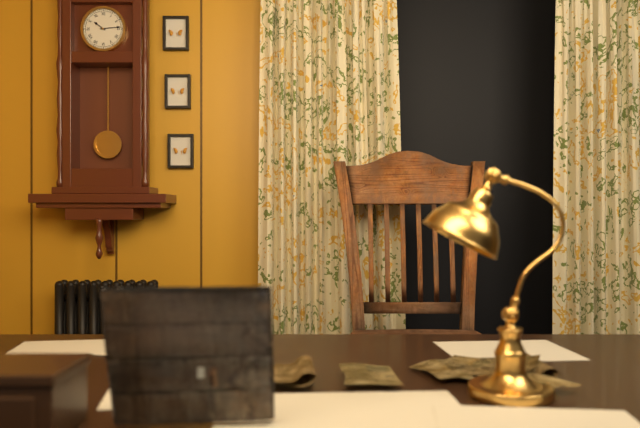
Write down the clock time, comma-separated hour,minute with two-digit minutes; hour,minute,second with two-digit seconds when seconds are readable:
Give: 10,14
